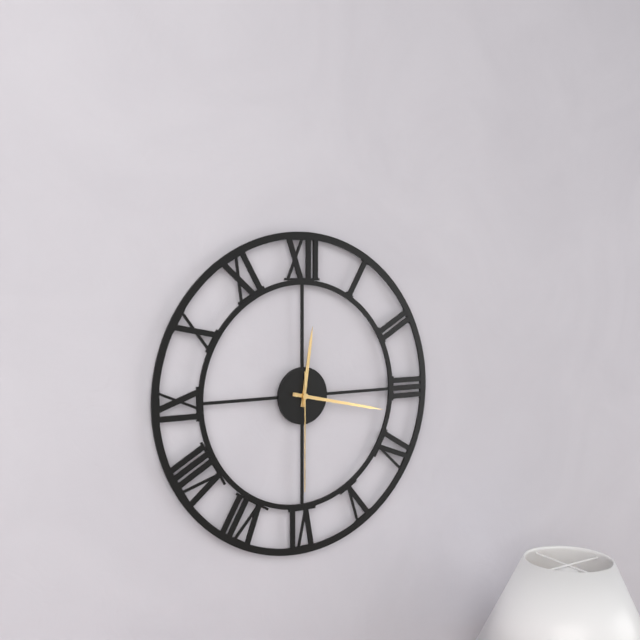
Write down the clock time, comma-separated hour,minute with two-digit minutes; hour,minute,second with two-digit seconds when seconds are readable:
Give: 12,17,30
